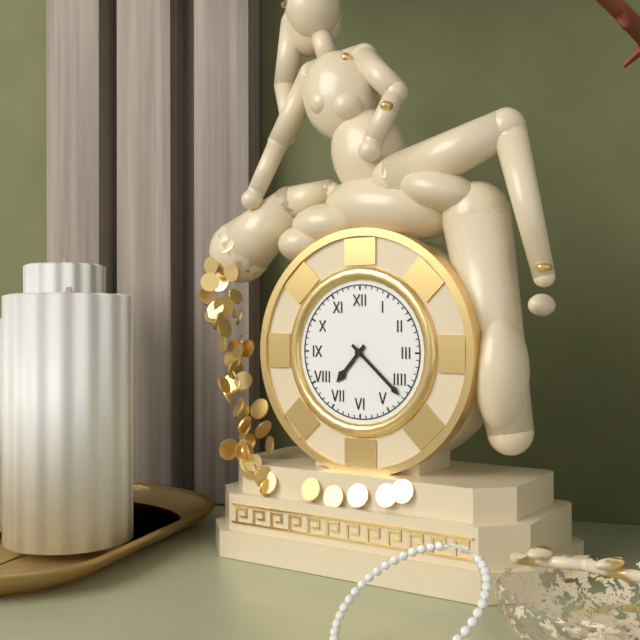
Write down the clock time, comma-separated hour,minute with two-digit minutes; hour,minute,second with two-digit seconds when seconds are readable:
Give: 7,22
